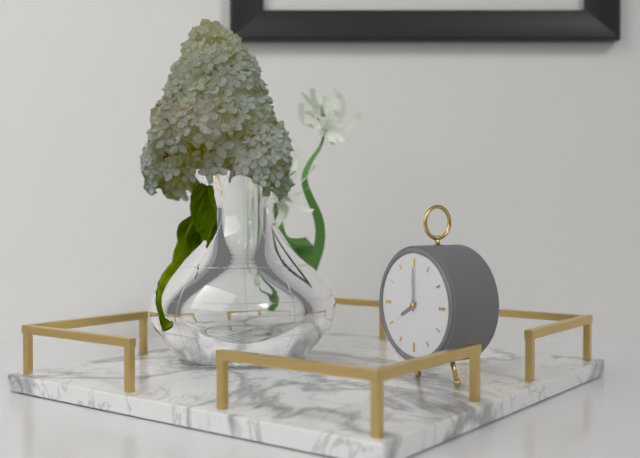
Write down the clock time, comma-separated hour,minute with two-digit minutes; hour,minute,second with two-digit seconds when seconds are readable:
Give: 8,00
